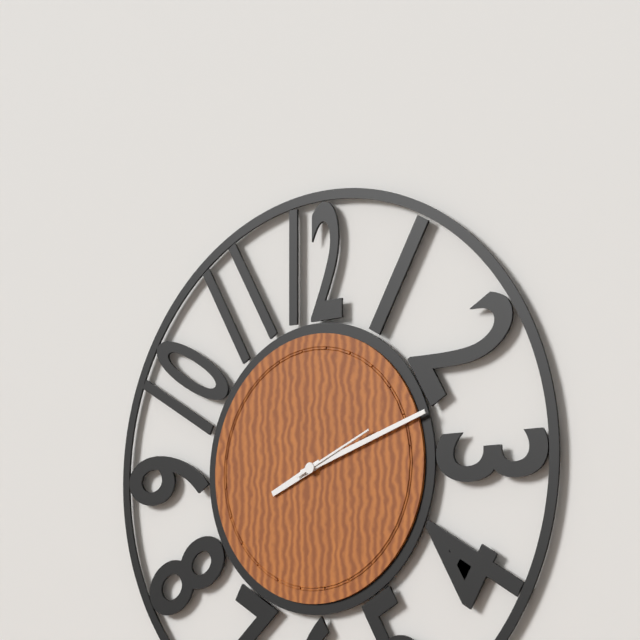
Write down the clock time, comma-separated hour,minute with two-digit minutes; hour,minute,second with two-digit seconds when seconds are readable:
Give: 8,12,11
